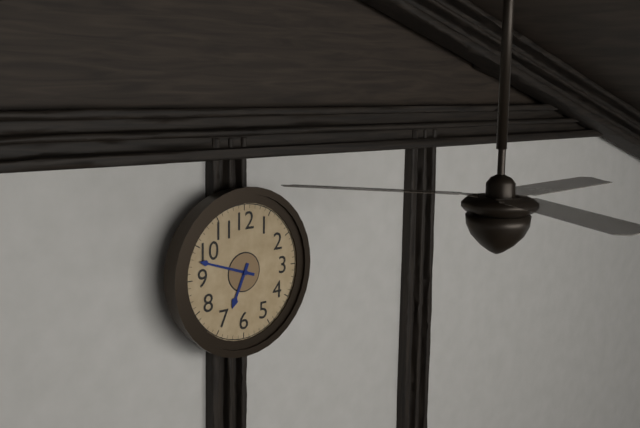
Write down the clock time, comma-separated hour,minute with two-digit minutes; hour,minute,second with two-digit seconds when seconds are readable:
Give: 6,48
